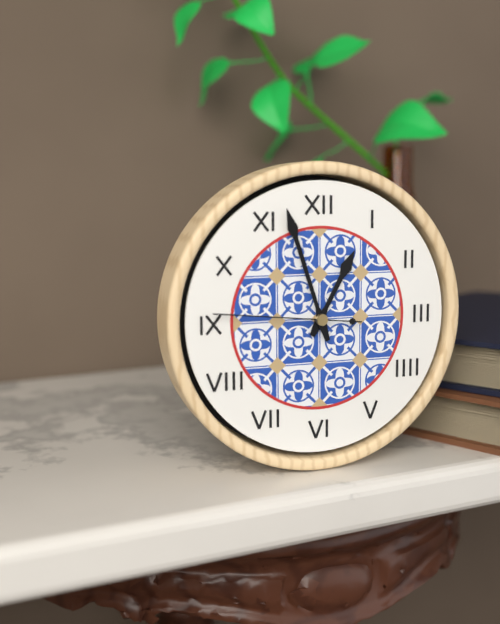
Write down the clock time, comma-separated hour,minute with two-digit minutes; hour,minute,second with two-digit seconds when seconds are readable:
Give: 12,57,46
